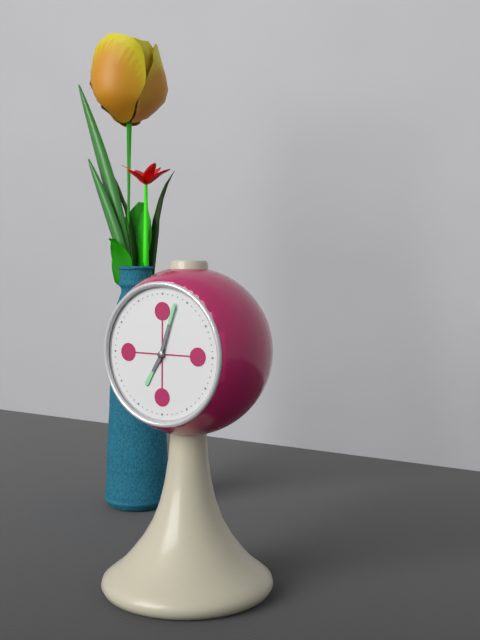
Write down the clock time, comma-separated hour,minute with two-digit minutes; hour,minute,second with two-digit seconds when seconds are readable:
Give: 7,03
